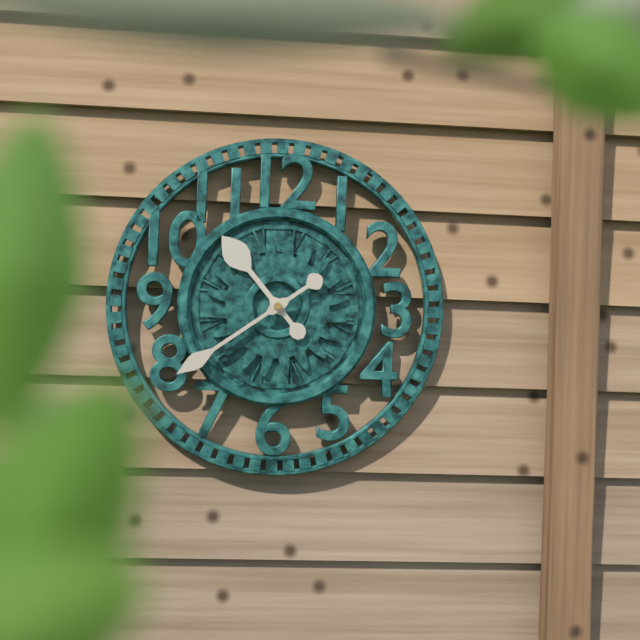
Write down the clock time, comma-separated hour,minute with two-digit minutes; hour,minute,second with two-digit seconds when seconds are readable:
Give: 10,39
